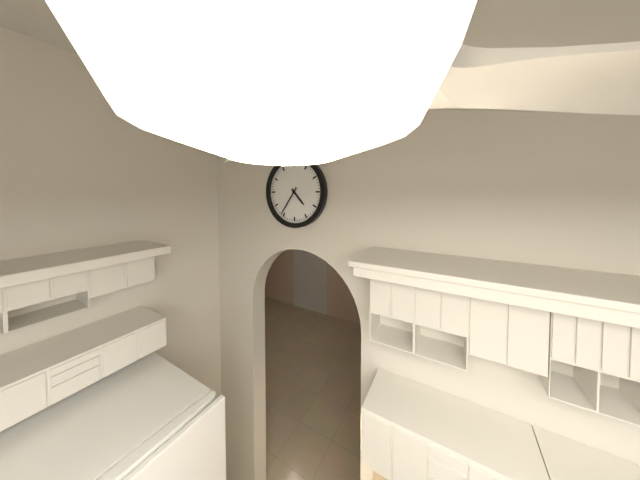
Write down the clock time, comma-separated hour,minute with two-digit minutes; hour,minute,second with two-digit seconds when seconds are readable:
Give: 4,36
